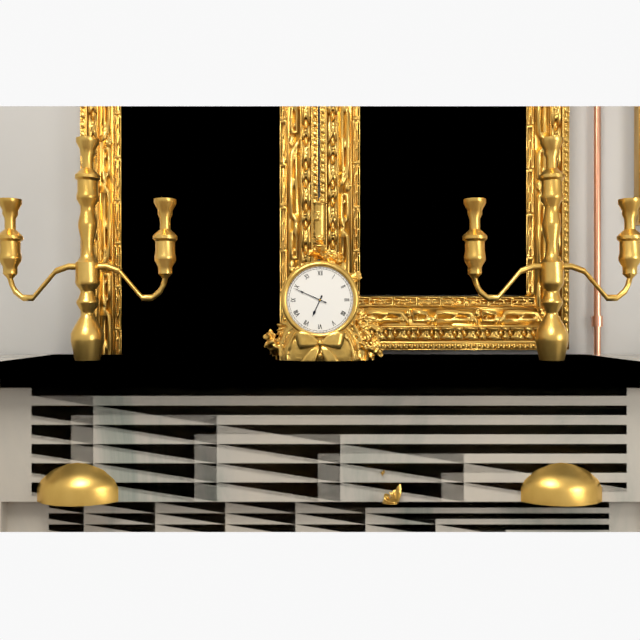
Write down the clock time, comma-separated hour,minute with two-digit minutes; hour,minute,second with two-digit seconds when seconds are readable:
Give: 6,49
